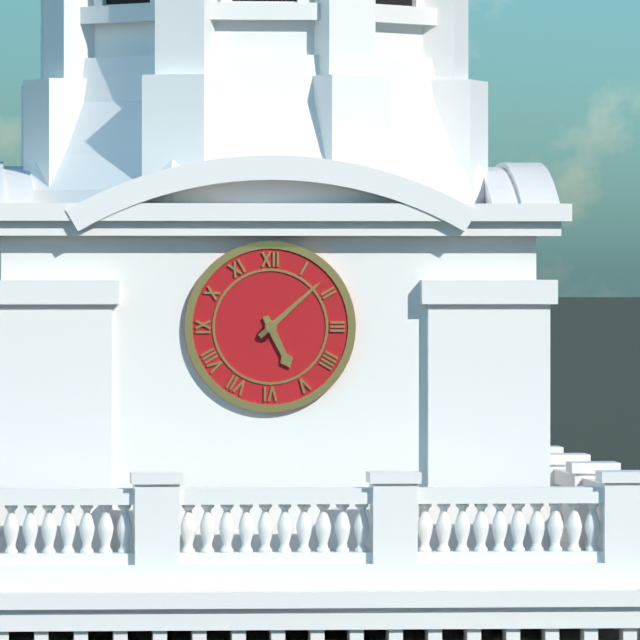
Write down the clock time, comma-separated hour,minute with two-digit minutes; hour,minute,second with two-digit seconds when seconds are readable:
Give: 5,08
